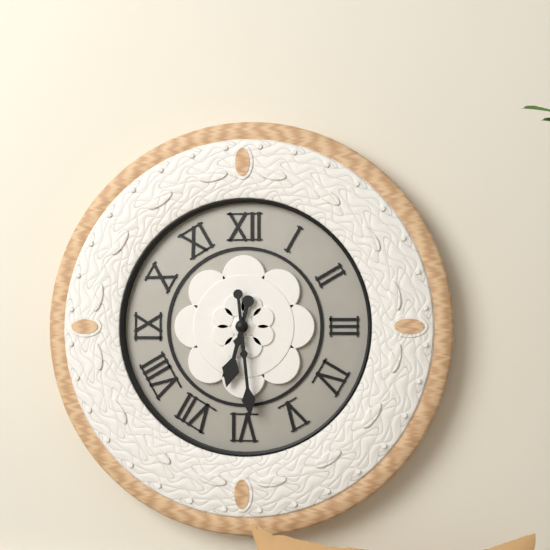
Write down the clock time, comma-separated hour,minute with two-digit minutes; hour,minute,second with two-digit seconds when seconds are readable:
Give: 6,29
